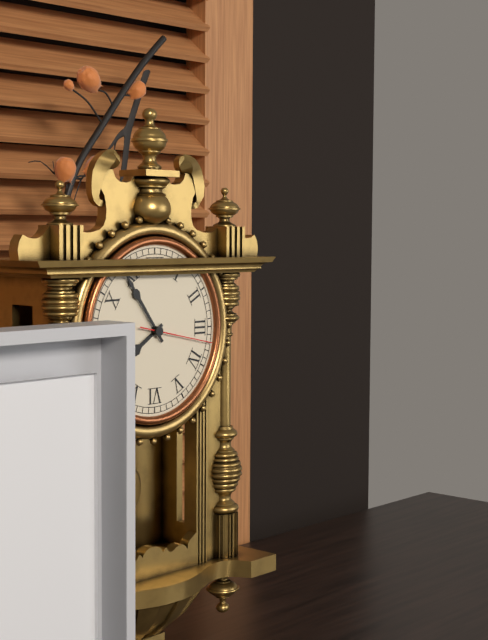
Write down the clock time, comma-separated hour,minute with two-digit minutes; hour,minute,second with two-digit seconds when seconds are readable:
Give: 7,54,17
